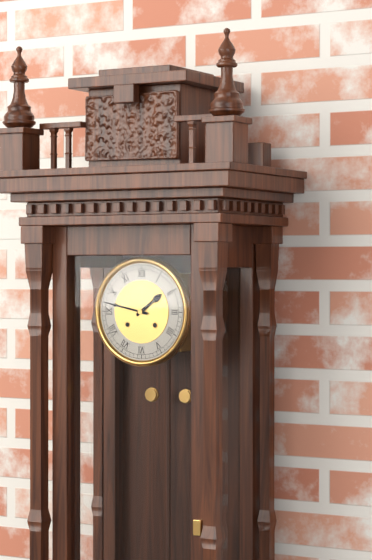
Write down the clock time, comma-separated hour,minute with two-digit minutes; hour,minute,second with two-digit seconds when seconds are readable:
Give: 1,47
